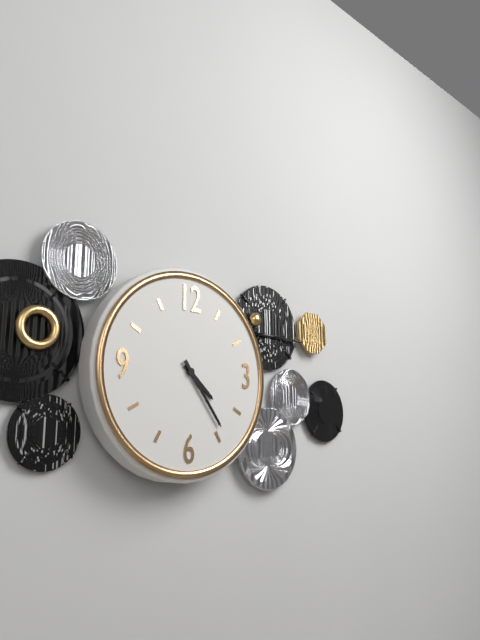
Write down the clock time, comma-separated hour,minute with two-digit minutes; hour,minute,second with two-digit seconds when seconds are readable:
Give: 4,24
